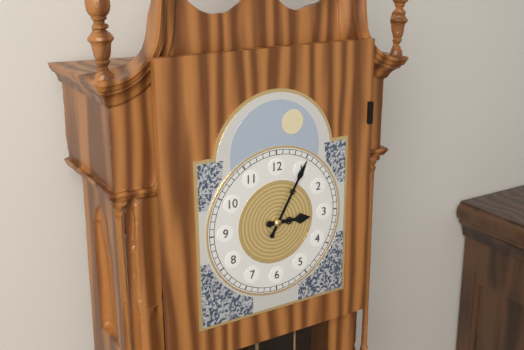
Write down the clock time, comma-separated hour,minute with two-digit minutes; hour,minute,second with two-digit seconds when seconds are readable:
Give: 3,05
